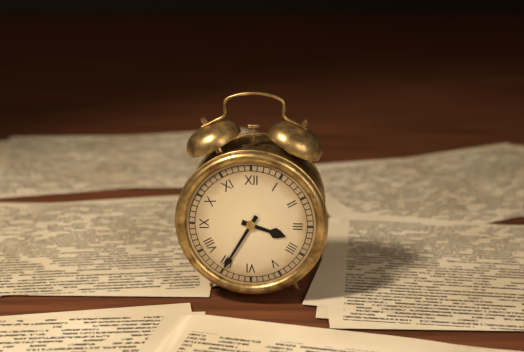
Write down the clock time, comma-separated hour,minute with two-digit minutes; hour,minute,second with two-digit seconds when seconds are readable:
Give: 3,35
